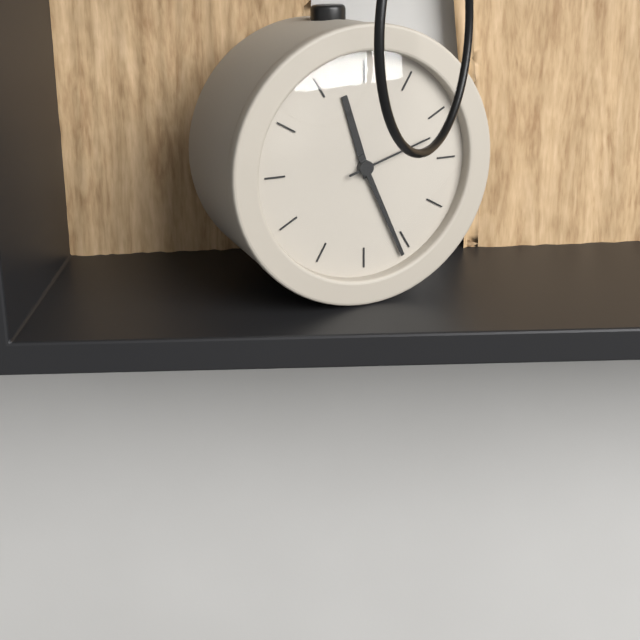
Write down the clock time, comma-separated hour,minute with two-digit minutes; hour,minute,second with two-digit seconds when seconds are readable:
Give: 11,26,12
